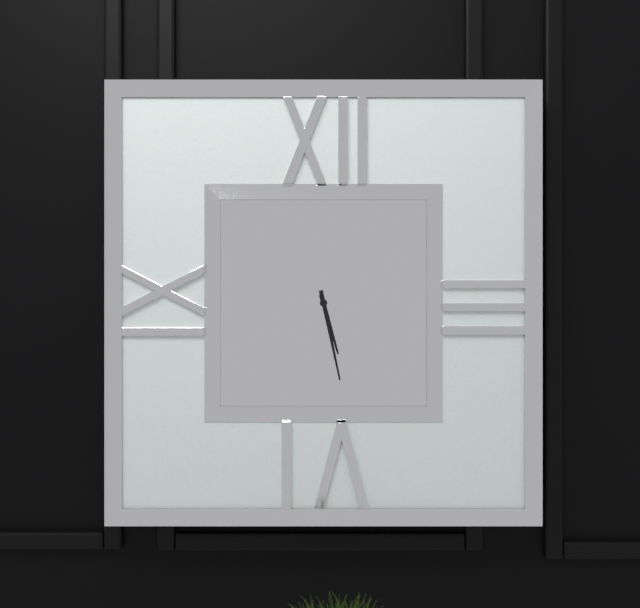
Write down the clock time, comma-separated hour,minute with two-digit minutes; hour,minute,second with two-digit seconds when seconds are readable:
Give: 5,28
